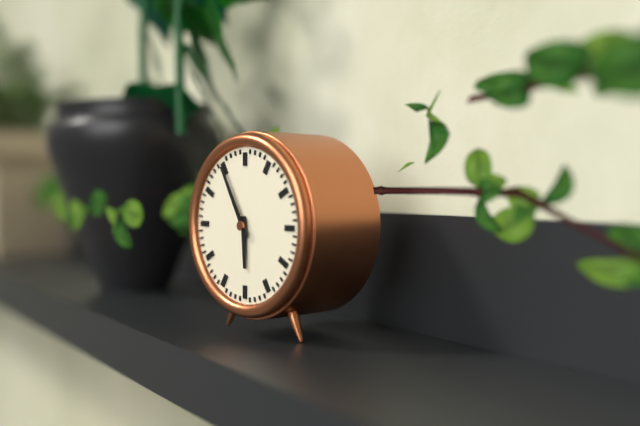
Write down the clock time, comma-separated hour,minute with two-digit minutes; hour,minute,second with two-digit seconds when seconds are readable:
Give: 5,55
